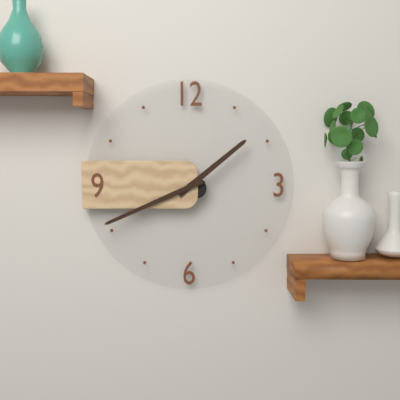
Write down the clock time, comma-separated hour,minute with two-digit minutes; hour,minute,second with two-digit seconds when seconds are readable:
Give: 1,41
